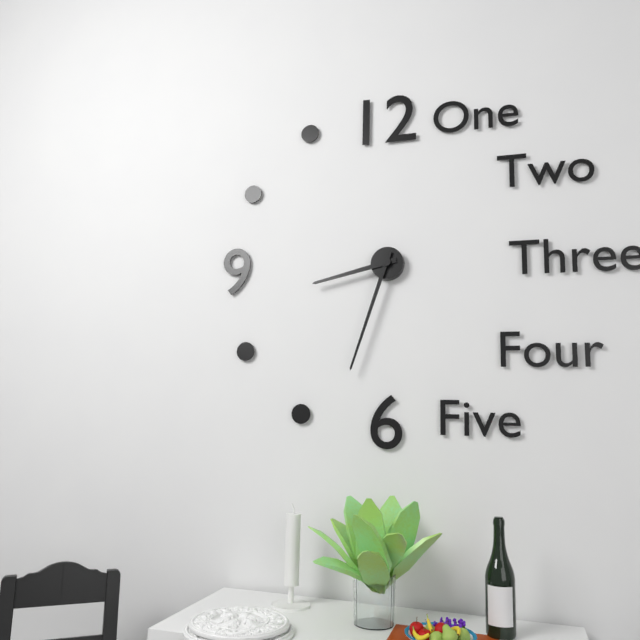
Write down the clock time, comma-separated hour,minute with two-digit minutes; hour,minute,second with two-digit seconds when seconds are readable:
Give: 8,33
